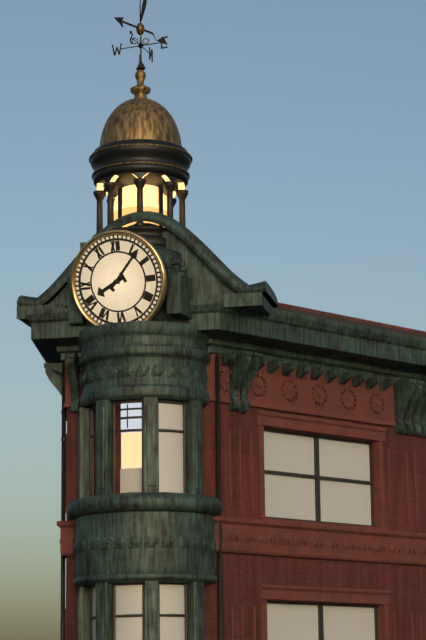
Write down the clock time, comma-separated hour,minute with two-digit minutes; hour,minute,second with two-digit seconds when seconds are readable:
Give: 8,07
